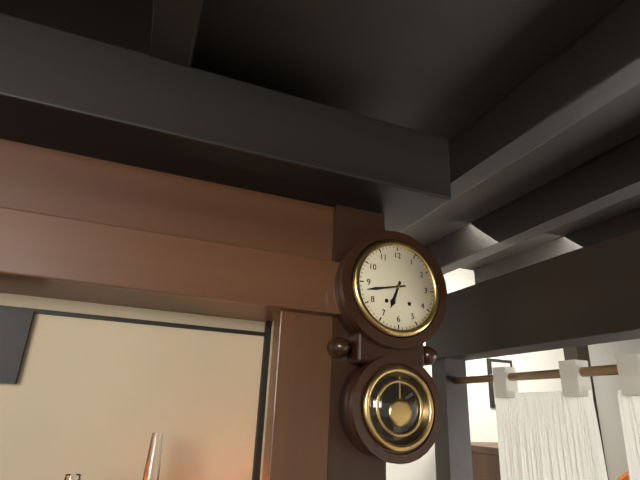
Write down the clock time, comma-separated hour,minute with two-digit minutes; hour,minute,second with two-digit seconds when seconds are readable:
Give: 6,43
